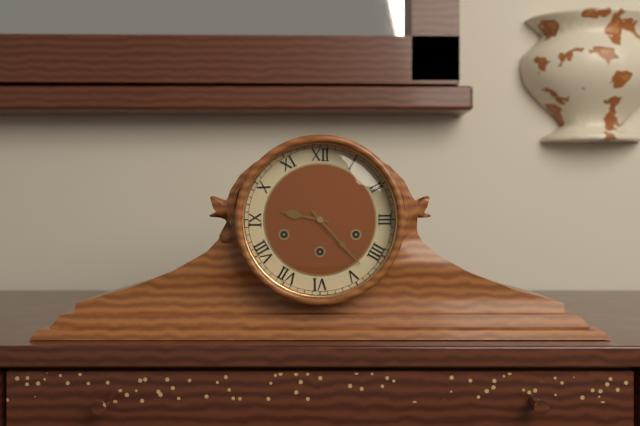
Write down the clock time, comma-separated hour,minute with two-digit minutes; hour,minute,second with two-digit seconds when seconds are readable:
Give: 9,23
